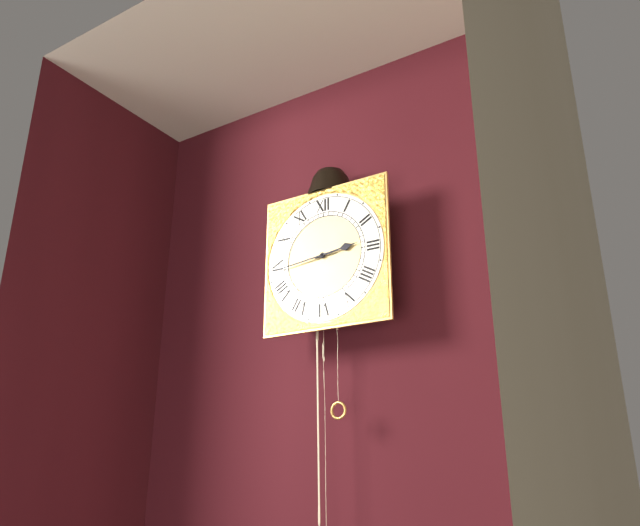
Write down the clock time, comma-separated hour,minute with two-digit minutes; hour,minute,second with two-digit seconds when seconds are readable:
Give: 2,44
